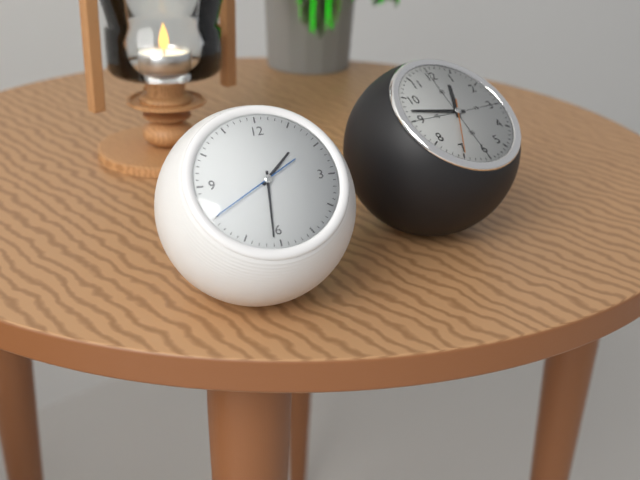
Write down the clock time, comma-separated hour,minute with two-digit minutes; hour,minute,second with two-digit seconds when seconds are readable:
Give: 1,31,40
